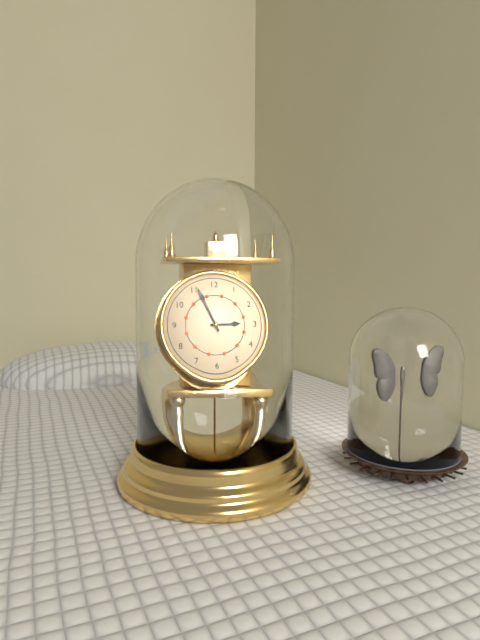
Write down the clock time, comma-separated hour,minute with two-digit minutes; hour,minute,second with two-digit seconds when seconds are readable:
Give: 2,56
